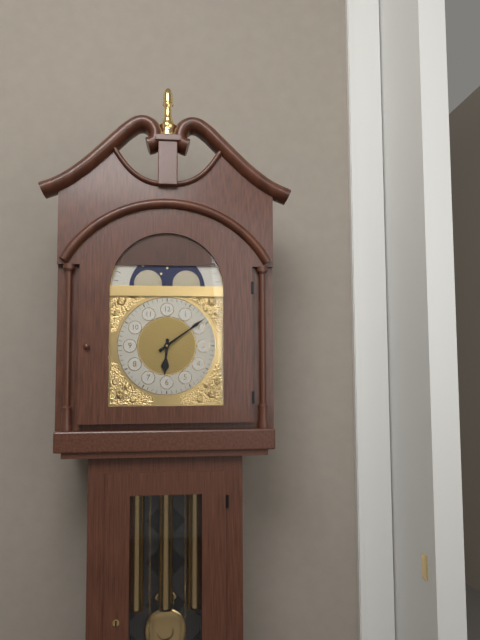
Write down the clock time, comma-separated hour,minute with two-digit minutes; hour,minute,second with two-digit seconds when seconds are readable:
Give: 6,09
